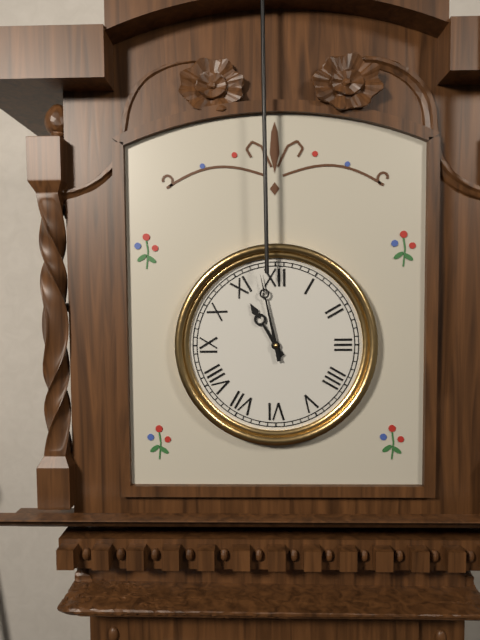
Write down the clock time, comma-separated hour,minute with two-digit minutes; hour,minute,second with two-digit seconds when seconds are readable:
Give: 10,58
